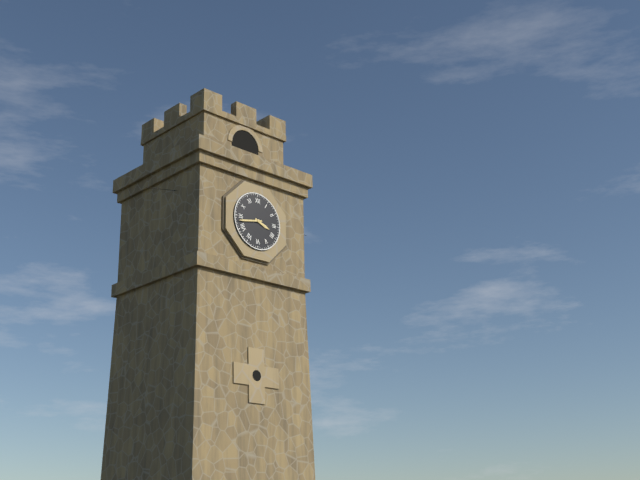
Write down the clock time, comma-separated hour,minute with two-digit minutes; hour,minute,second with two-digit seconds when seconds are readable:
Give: 3,43
